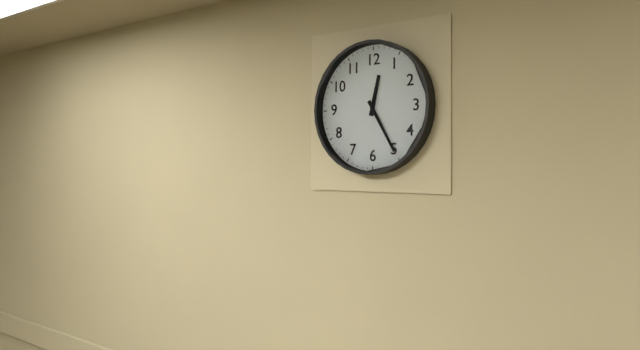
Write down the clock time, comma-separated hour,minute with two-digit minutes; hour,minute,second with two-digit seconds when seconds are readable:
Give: 12,25
